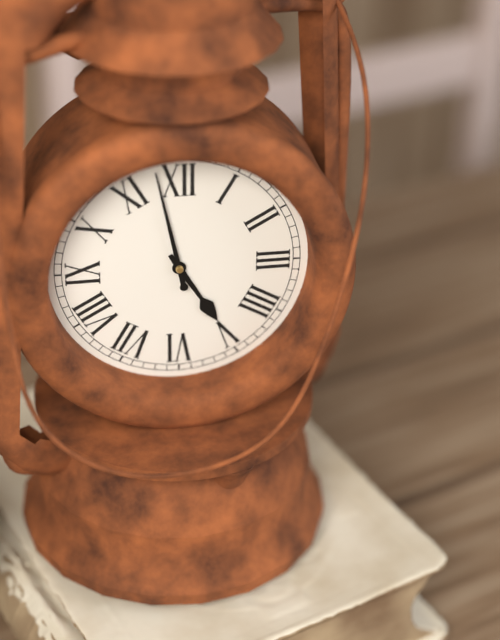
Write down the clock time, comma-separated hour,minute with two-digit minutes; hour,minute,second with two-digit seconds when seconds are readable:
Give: 4,58
